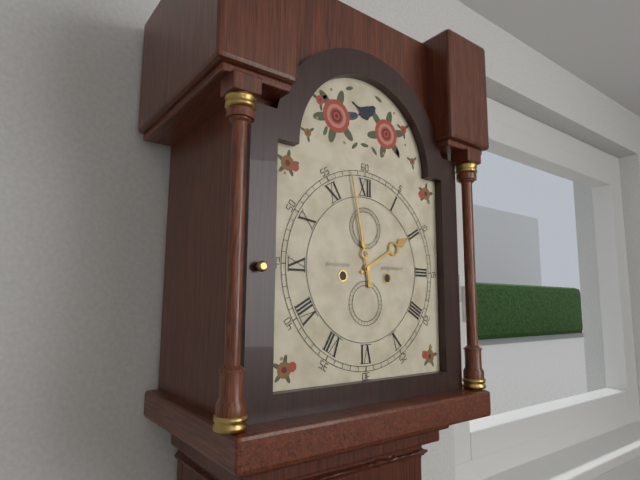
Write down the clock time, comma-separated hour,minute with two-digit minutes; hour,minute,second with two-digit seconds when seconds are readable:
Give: 1,58
